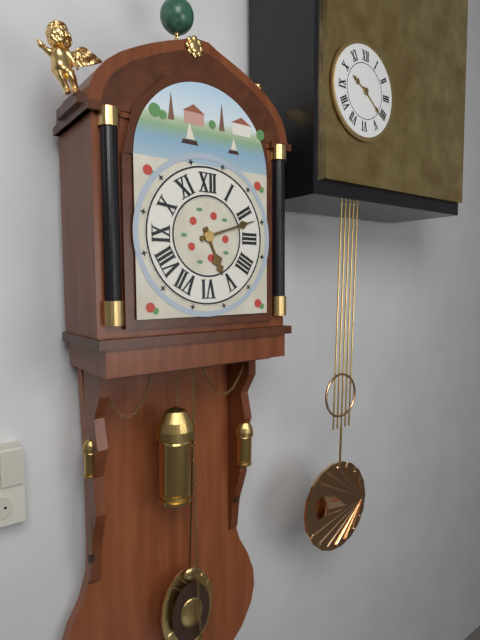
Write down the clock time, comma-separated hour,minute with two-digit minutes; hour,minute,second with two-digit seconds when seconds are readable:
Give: 5,12
